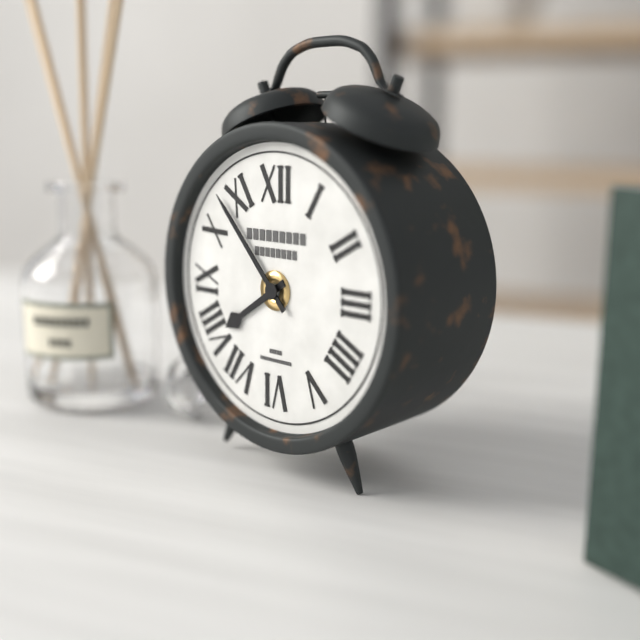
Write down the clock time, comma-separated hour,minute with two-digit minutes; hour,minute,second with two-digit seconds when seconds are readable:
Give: 7,53
